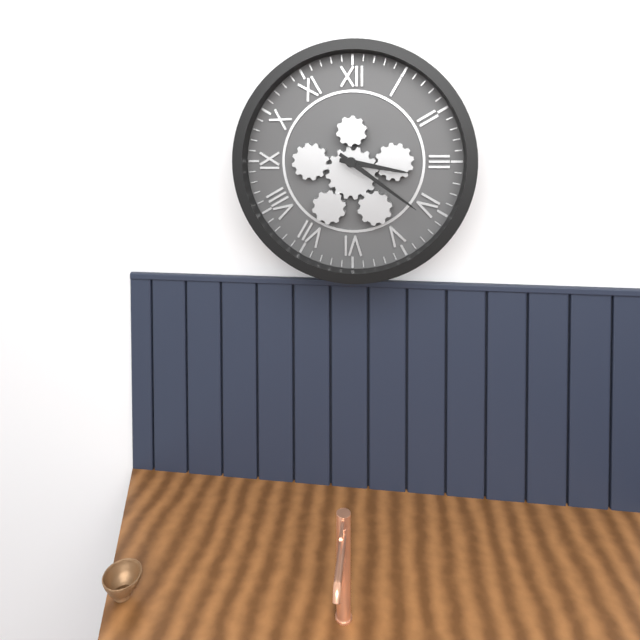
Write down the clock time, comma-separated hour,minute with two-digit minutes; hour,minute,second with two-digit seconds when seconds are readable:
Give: 3,21
